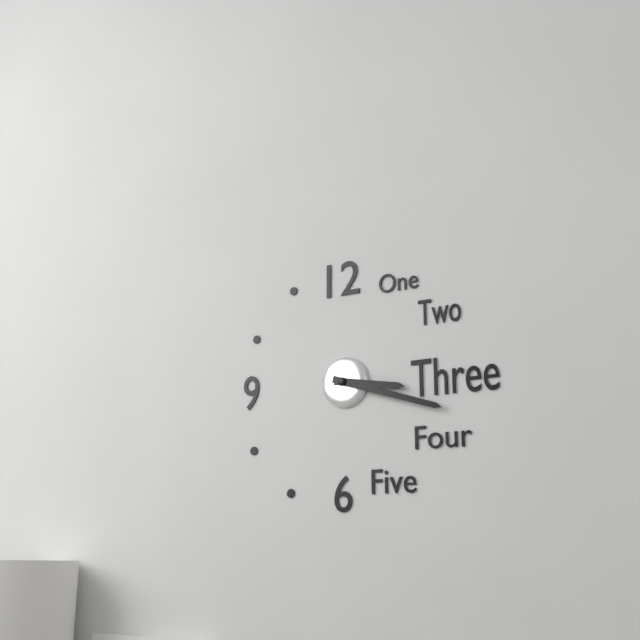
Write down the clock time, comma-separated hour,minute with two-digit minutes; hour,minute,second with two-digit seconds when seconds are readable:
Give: 3,18
